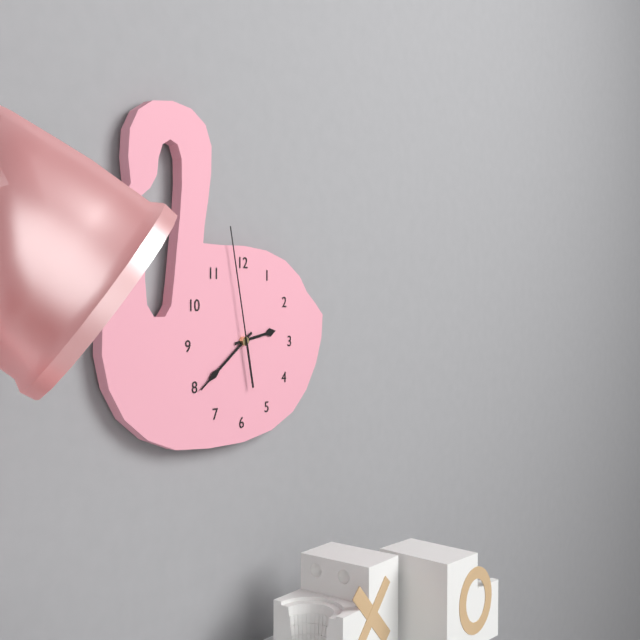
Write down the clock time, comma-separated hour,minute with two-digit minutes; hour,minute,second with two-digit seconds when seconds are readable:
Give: 2,39,58
